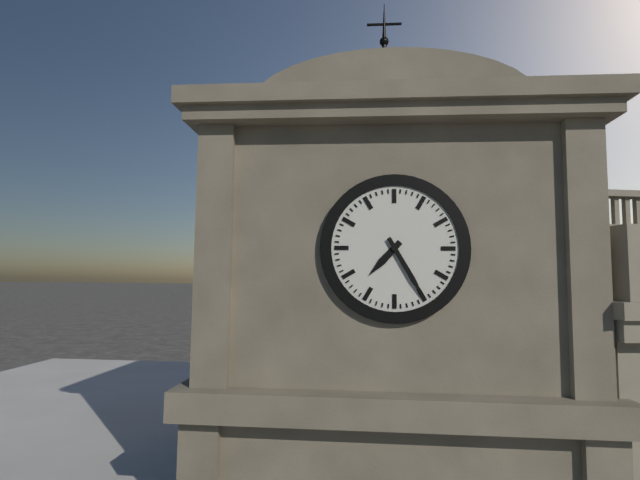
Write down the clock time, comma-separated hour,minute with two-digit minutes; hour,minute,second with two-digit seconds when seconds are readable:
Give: 7,25
